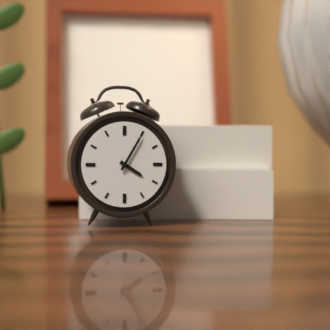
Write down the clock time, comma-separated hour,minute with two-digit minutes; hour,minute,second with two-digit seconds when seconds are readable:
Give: 4,05
